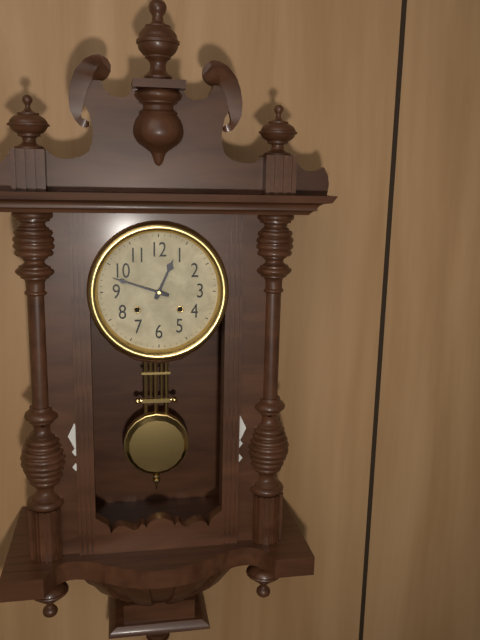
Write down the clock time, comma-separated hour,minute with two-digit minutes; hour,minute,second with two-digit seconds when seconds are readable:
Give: 12,48
